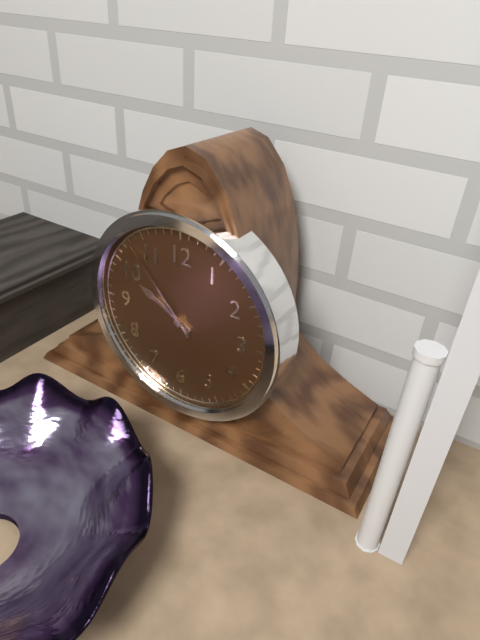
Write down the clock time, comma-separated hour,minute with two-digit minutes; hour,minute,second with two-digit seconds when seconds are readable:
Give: 9,53
